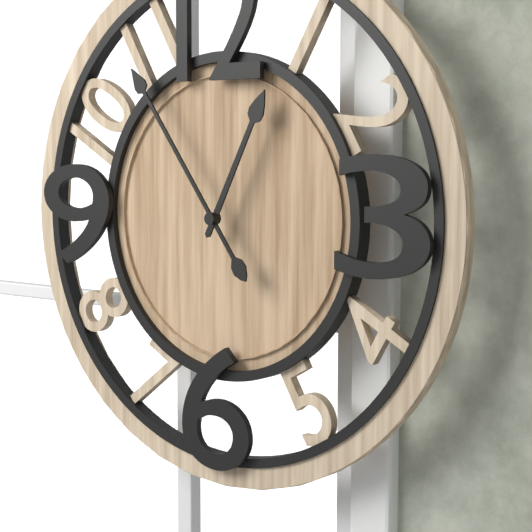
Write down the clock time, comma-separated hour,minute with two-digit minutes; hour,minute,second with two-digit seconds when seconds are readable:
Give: 12,54
